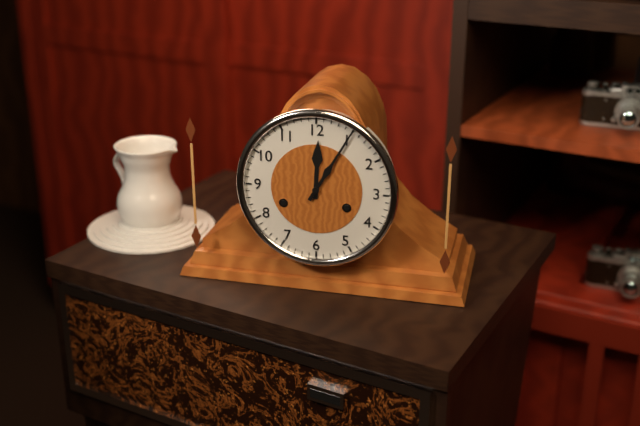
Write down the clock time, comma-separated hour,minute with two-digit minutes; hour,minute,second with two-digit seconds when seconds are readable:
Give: 12,05
